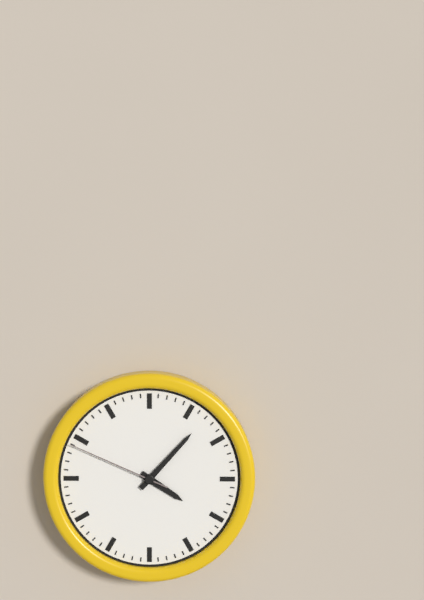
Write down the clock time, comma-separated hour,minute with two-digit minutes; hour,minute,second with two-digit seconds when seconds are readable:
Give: 4,07,49
